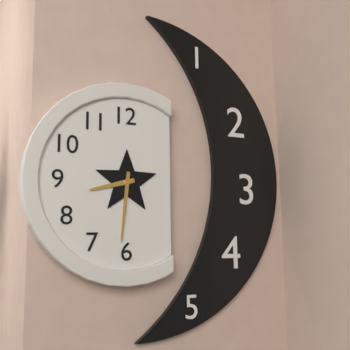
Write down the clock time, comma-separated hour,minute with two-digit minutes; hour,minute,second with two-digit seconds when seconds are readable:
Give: 8,31
